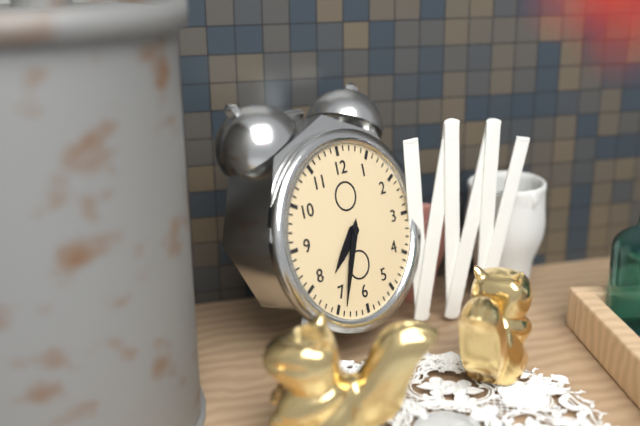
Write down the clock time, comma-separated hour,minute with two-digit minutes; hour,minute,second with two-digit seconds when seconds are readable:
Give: 7,34
